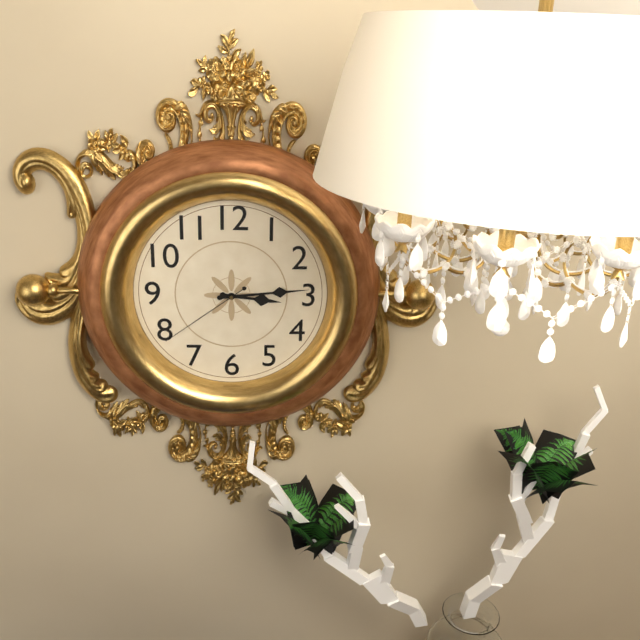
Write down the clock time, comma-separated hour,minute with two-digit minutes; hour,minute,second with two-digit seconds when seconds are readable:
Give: 3,14,39
